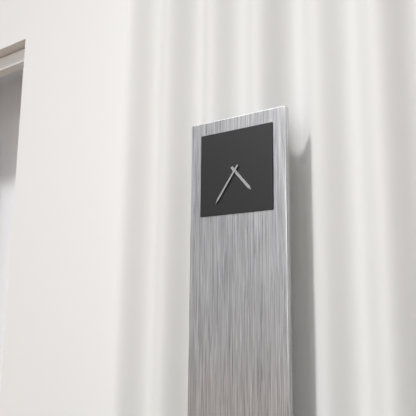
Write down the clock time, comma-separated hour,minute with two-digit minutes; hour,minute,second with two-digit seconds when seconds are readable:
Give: 4,36
